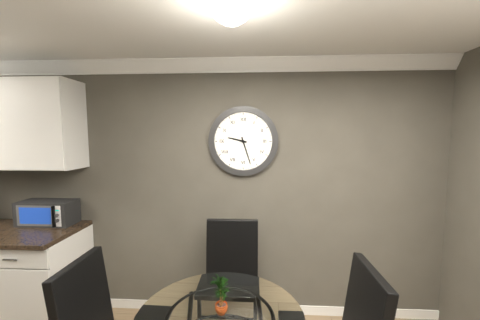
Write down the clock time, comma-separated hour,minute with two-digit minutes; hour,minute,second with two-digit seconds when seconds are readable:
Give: 9,27
